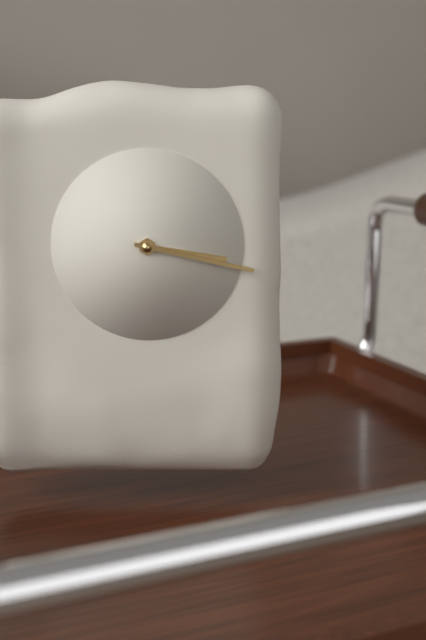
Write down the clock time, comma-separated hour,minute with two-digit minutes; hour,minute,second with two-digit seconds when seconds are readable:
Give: 3,17
